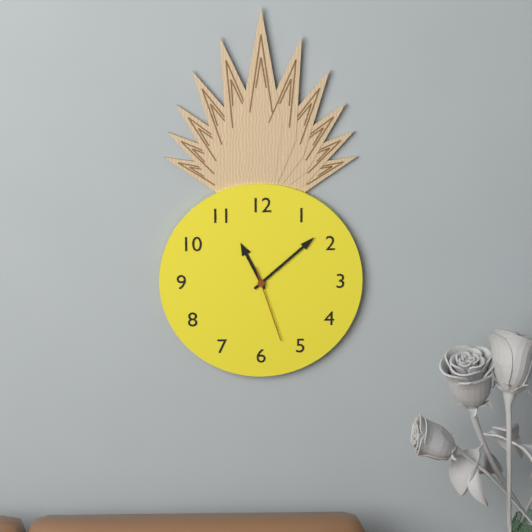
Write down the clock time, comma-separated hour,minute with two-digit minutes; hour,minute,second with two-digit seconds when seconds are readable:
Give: 11,08,27
